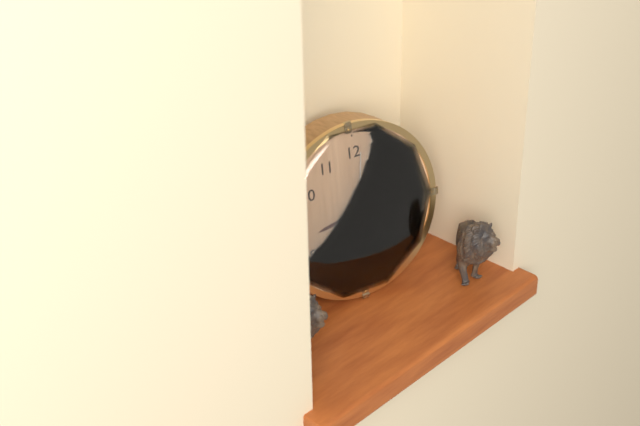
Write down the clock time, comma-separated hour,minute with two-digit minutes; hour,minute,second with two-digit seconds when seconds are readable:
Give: 8,40,01
